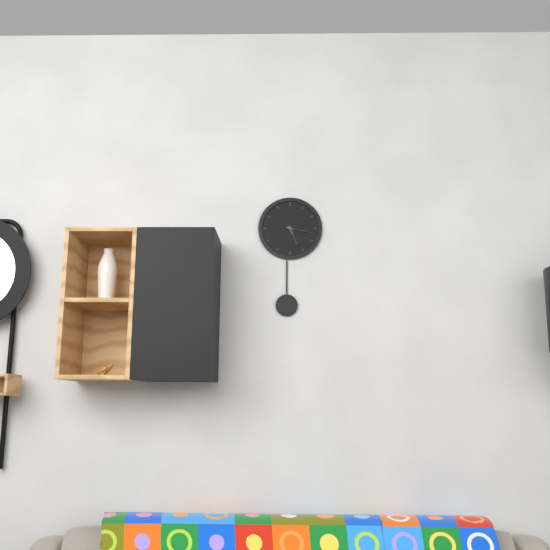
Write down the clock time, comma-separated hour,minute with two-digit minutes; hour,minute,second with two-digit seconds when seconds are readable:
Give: 5,17
